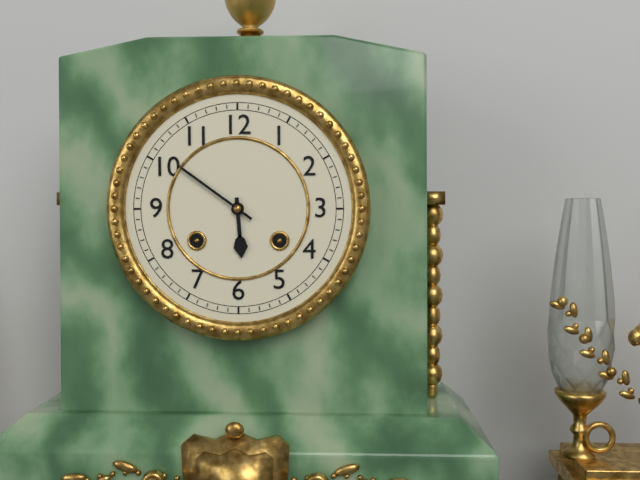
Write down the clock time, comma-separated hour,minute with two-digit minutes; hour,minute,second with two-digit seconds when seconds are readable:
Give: 5,51
